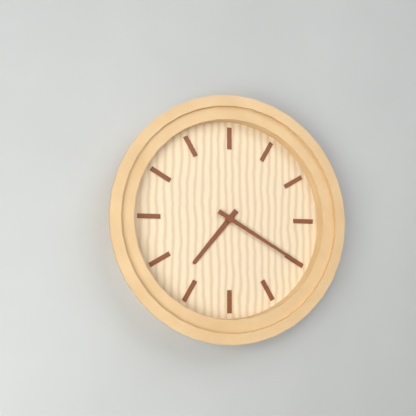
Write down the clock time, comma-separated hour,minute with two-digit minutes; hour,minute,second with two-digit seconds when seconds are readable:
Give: 7,20
